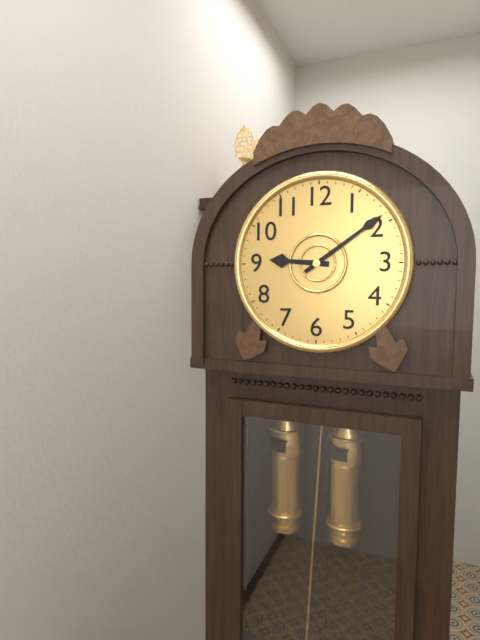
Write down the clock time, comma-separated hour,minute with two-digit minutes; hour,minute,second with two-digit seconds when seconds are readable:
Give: 9,09
